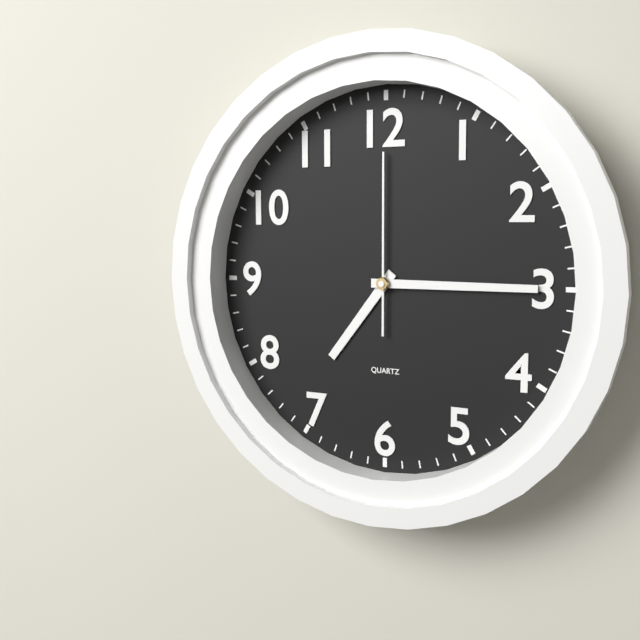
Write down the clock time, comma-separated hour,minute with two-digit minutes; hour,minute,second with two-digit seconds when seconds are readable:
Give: 7,15,00
